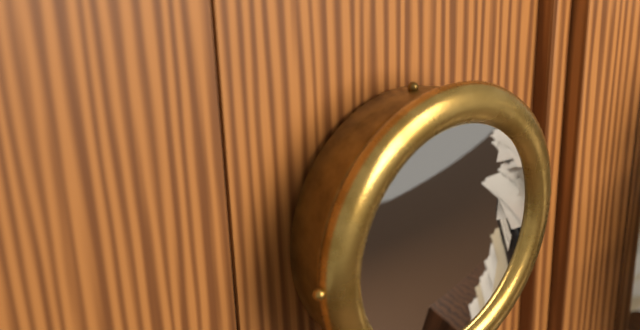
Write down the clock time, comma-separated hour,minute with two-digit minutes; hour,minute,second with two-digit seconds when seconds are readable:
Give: 10,13,07
